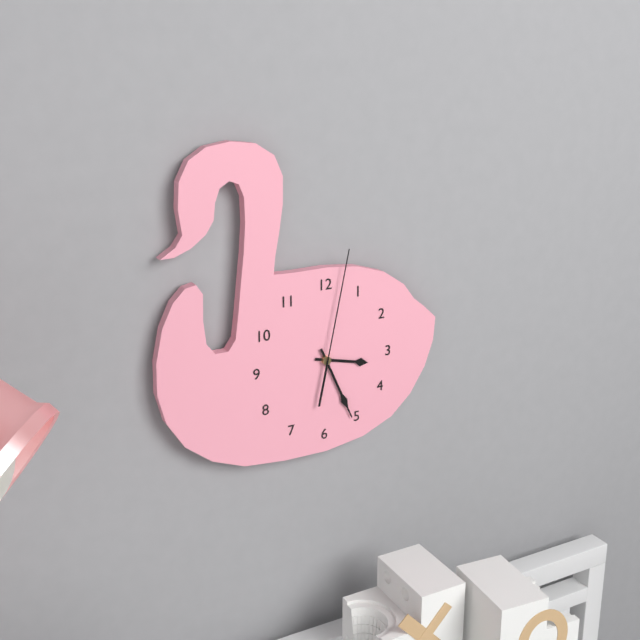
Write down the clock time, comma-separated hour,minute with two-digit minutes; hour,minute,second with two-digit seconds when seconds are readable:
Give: 3,26,02
